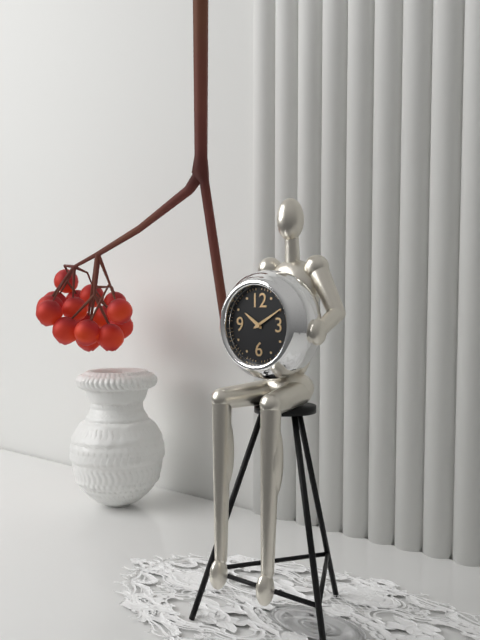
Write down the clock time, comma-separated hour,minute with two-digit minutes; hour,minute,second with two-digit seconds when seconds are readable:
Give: 10,10
